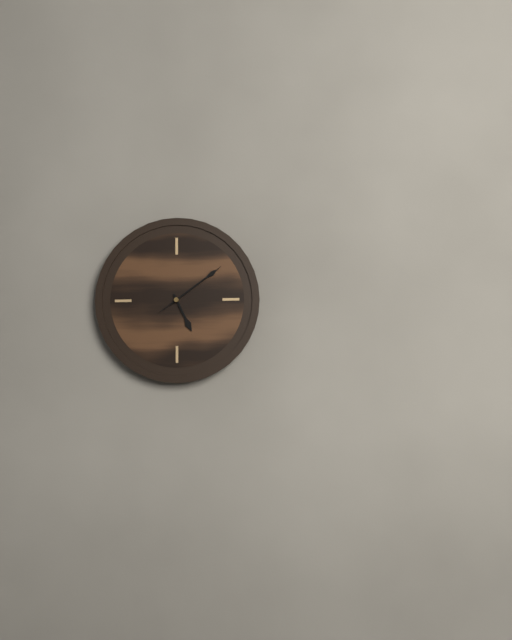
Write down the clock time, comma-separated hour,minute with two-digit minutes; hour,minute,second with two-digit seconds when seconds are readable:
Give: 5,09,09
